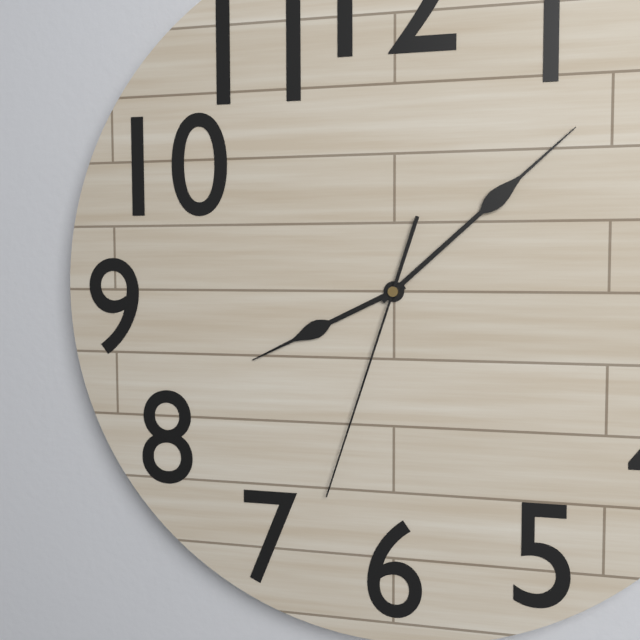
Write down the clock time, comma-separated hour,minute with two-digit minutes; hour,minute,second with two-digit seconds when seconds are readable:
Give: 8,08,33
